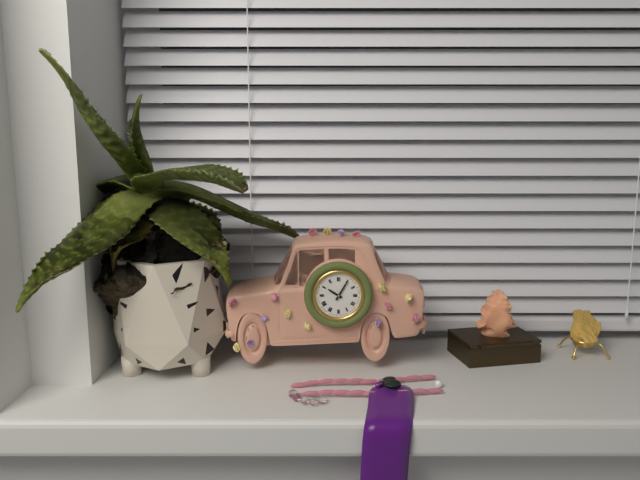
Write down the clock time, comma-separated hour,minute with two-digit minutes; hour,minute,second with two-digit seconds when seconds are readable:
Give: 10,05
